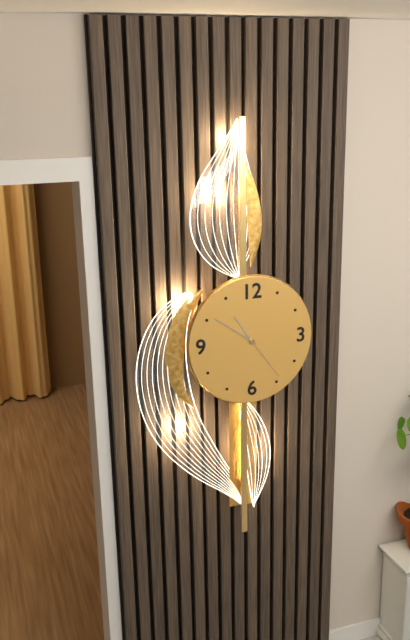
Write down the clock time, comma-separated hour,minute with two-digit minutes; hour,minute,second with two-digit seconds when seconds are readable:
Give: 10,51,24
